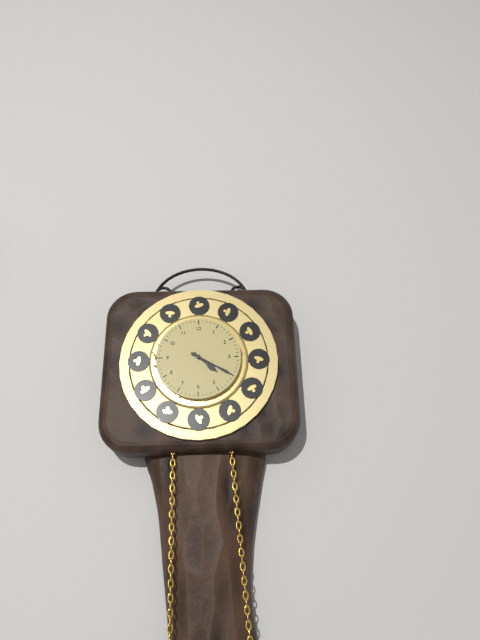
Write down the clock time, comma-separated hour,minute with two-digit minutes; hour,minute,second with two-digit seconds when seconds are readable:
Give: 4,20
